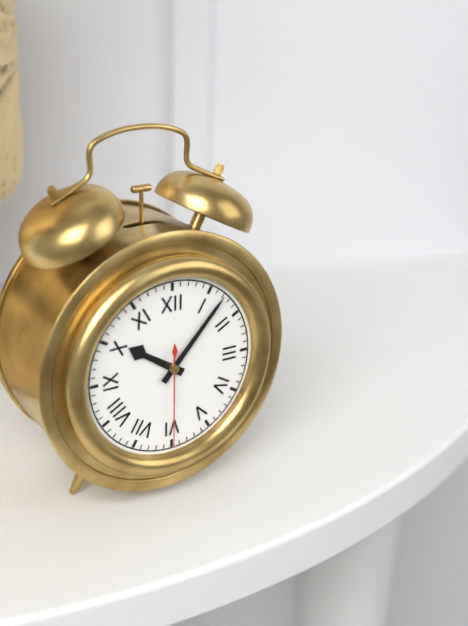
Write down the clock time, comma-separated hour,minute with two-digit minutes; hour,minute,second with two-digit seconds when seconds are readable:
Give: 10,07,30
